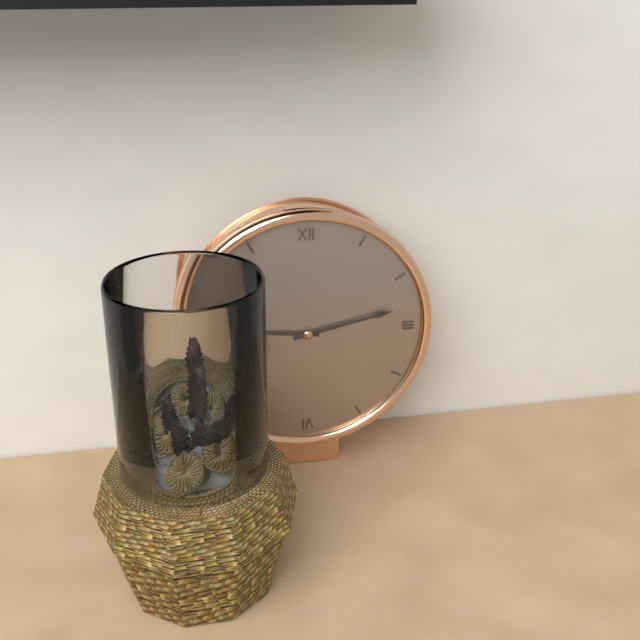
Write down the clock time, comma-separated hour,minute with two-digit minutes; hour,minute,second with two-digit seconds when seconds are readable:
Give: 9,13
